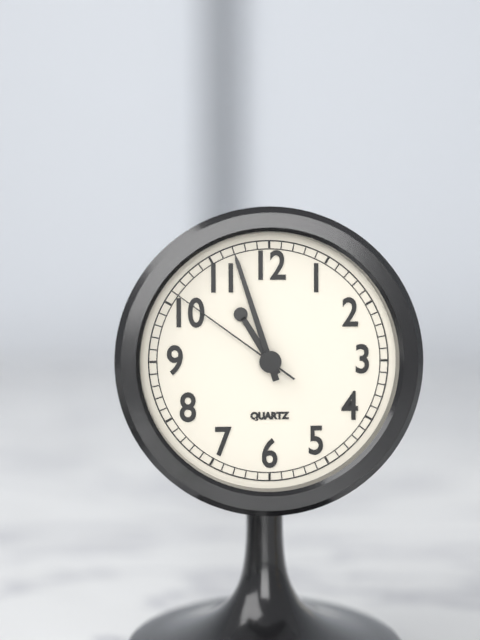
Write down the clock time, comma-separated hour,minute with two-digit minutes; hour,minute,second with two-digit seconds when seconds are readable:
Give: 10,57,51
